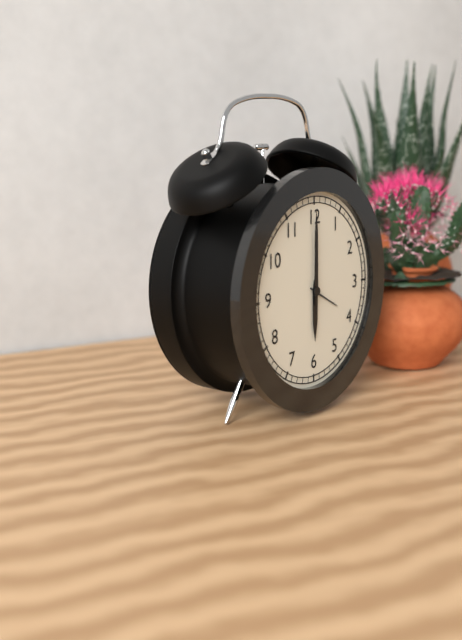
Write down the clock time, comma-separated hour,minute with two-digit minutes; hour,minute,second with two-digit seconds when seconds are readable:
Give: 6,00
